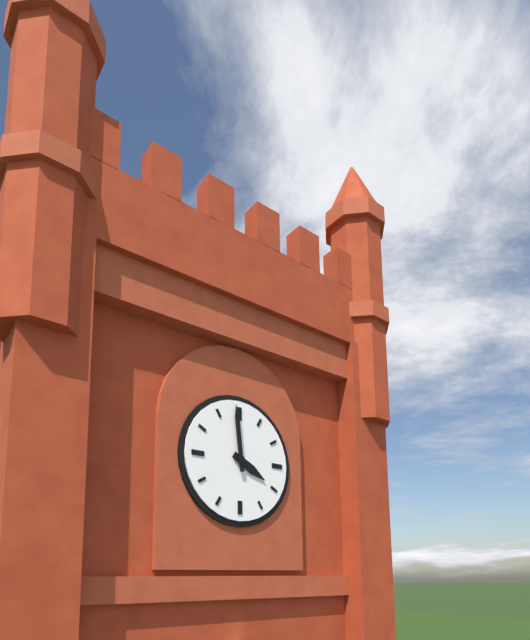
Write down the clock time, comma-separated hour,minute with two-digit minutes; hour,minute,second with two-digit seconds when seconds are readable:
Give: 3,59
